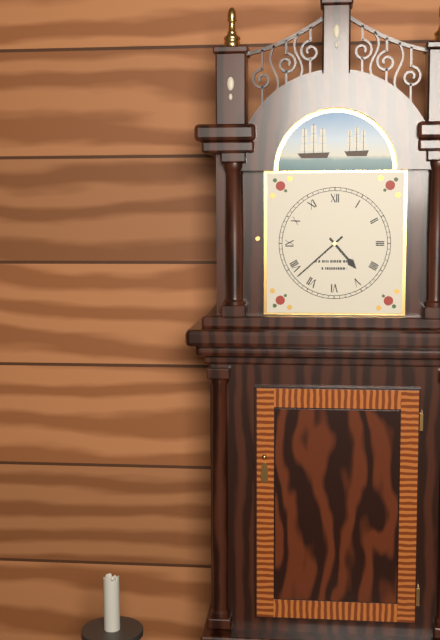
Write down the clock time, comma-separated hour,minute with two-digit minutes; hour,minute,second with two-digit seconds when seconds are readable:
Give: 4,38
